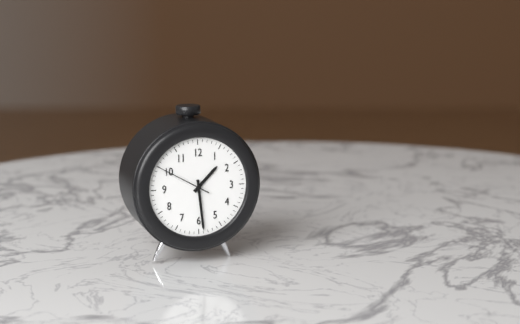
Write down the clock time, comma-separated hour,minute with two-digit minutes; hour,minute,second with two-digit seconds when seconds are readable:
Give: 1,29,50
